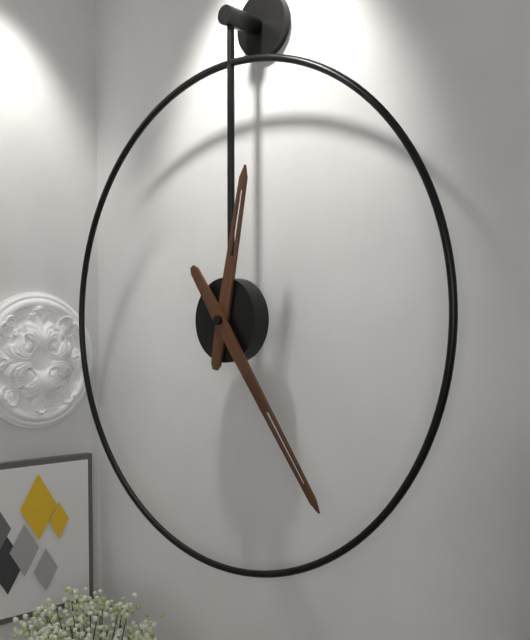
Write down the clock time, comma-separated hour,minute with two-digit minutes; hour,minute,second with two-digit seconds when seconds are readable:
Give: 12,24
